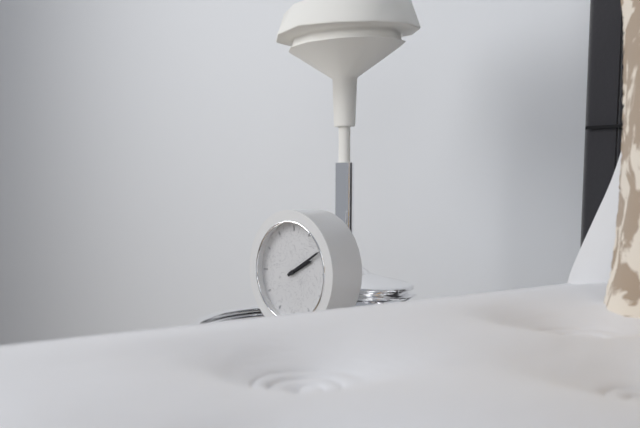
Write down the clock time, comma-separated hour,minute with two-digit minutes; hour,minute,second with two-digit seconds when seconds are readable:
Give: 2,10
